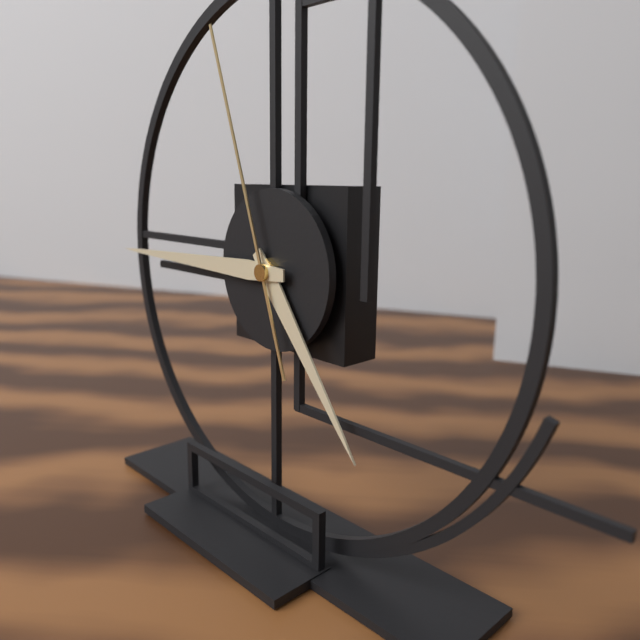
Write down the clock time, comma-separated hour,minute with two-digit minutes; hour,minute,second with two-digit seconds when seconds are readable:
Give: 4,45,57
